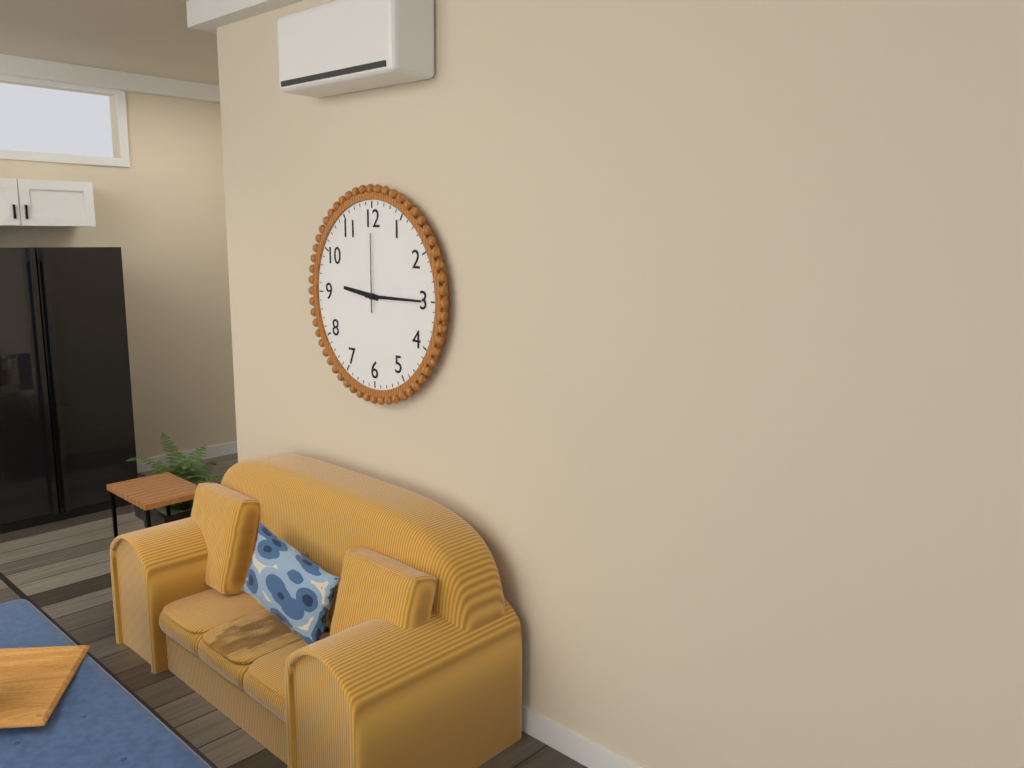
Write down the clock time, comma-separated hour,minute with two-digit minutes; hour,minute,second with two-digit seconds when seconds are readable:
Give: 9,15,00
